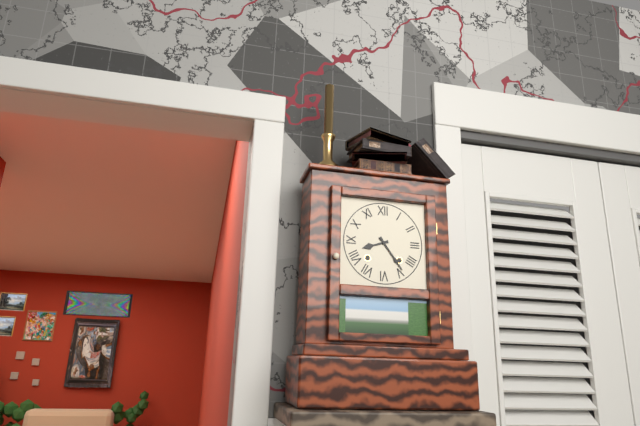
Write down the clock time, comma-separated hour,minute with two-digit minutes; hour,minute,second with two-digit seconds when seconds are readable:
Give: 8,24
